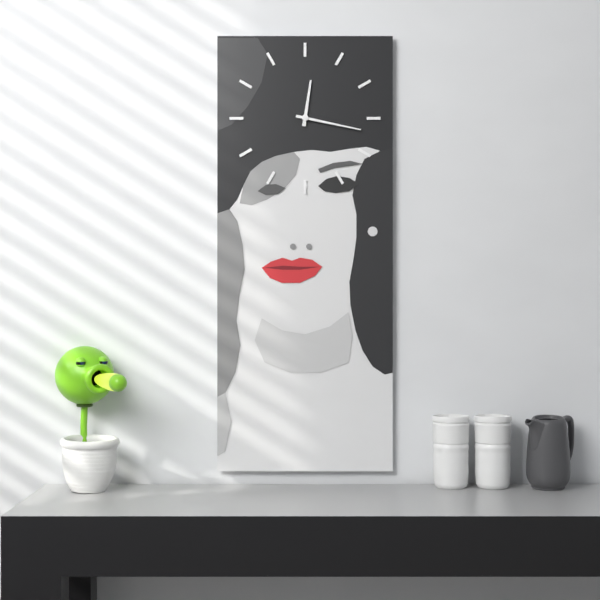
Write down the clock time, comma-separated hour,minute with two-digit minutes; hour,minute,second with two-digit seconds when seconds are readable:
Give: 12,17
